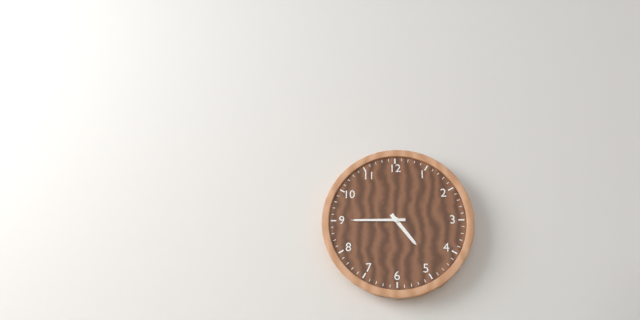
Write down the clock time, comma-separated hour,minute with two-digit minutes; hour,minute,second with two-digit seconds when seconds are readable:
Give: 4,45
